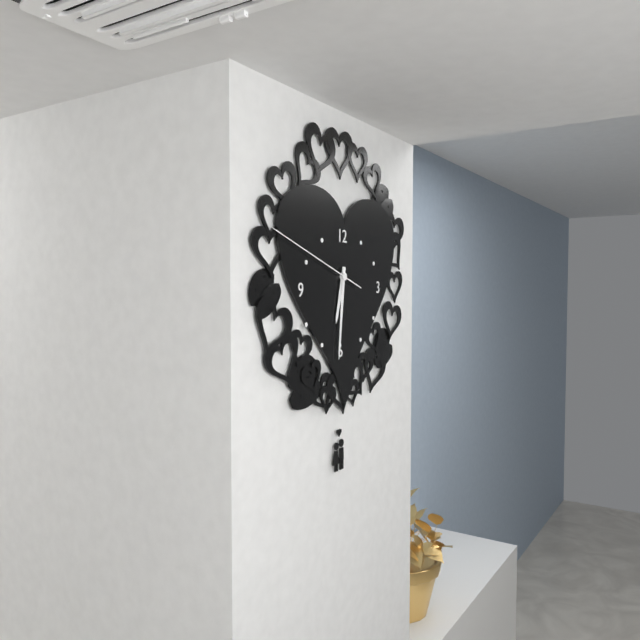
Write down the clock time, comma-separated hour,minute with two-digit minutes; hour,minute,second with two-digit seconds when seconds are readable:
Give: 6,31,48
